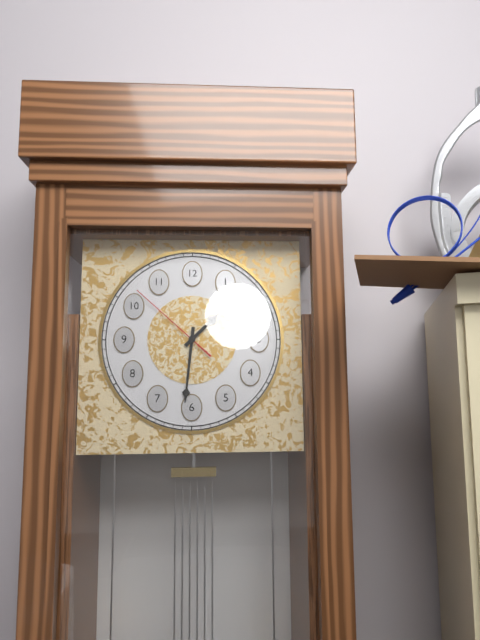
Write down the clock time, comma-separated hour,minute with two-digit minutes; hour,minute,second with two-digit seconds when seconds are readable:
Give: 1,31,52
